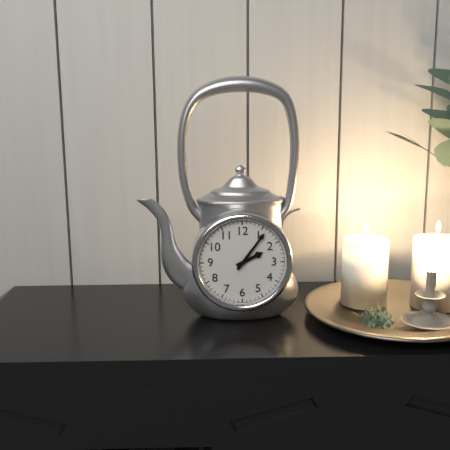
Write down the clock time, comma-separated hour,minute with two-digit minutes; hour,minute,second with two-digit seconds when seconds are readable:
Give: 2,06
